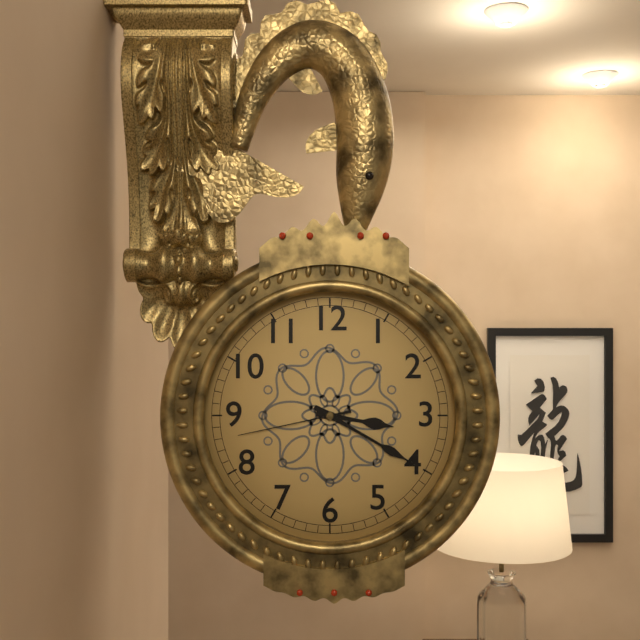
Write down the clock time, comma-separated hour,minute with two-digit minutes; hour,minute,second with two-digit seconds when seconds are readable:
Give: 3,20,43
